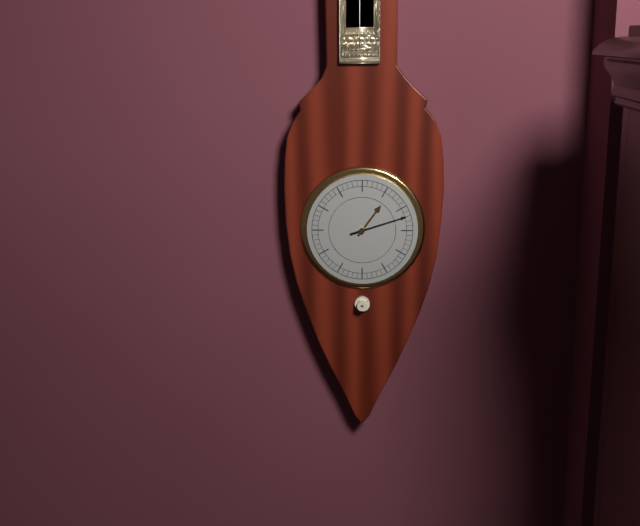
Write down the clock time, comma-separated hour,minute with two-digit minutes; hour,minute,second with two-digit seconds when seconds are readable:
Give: 1,12
